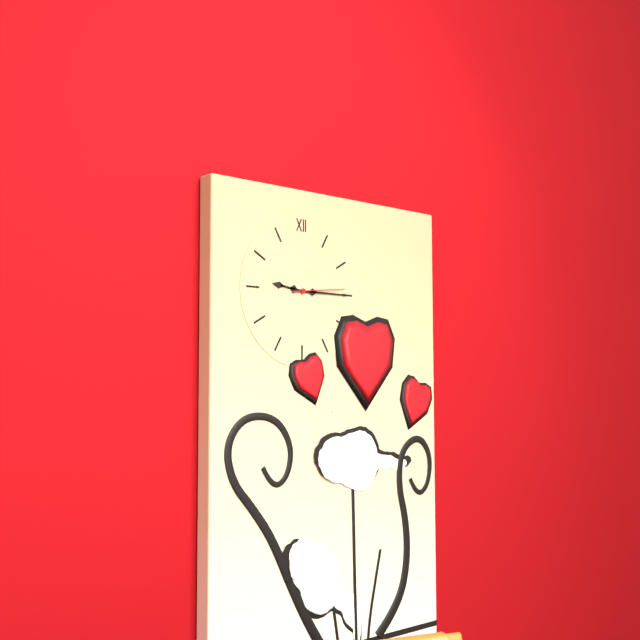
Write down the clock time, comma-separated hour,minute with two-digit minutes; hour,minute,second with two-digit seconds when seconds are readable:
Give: 9,15,14
